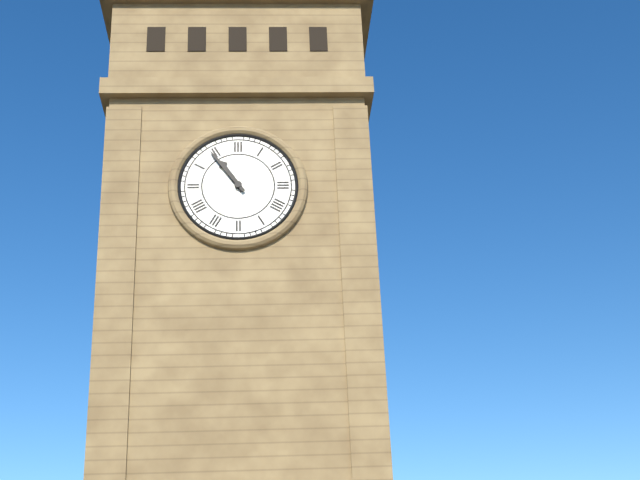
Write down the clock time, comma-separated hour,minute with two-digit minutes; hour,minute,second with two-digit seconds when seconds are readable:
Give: 10,54
